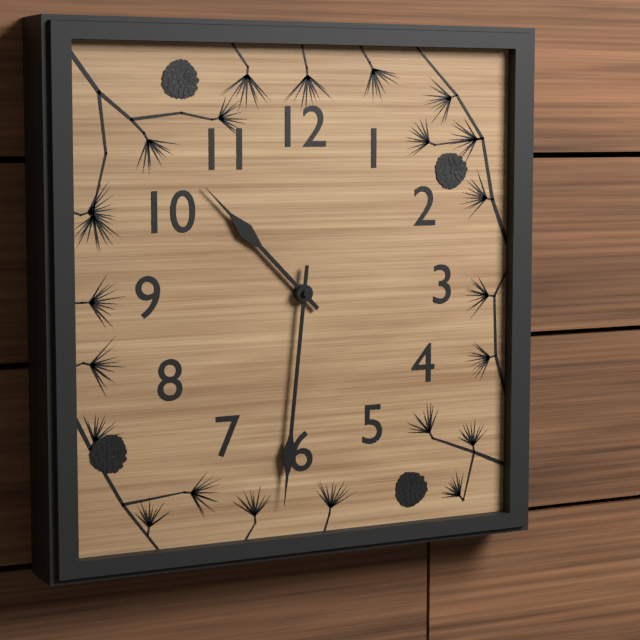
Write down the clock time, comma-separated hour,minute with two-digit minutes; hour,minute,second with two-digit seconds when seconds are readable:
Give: 10,31
